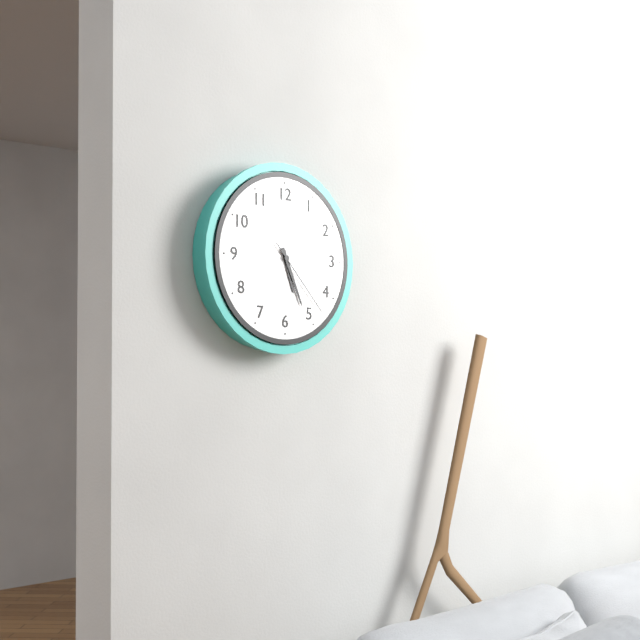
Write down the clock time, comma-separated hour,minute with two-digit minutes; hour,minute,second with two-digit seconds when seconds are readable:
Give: 5,26,23
